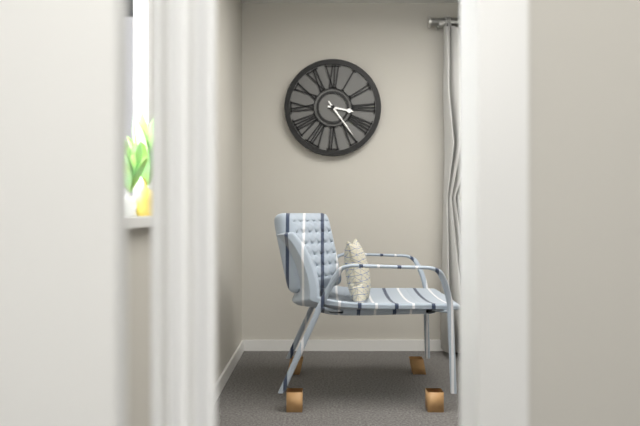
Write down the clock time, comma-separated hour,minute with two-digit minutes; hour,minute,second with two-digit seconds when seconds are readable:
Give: 3,24
